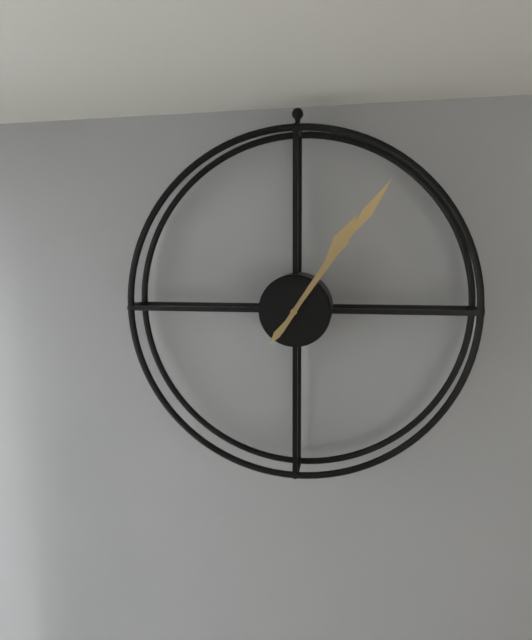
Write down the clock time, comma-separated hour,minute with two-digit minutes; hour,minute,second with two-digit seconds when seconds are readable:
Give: 1,06
